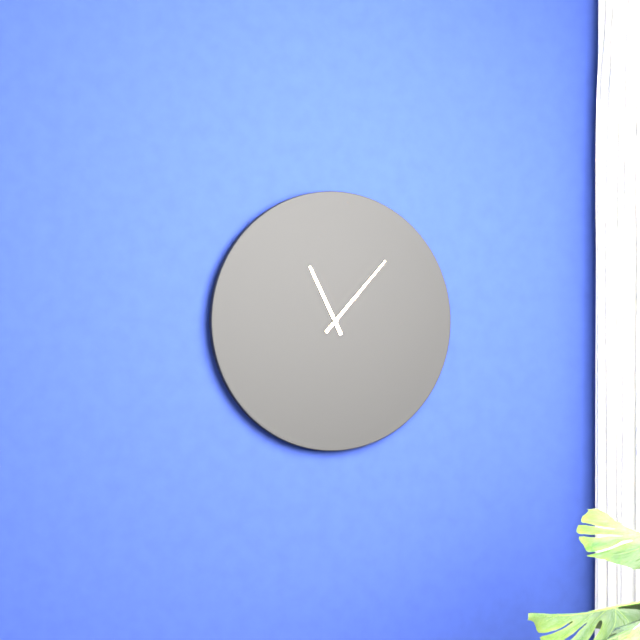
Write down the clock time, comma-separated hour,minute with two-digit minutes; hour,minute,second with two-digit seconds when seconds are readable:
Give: 11,07
